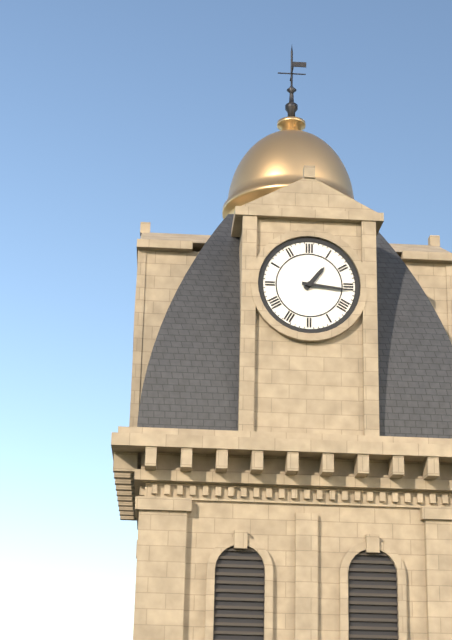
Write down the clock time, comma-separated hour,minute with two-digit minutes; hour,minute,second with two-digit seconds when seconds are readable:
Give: 1,16
